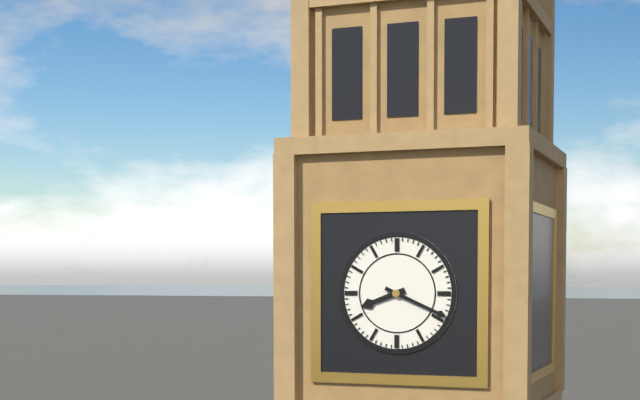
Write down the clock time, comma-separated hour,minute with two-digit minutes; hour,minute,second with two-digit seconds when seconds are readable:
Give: 8,19
